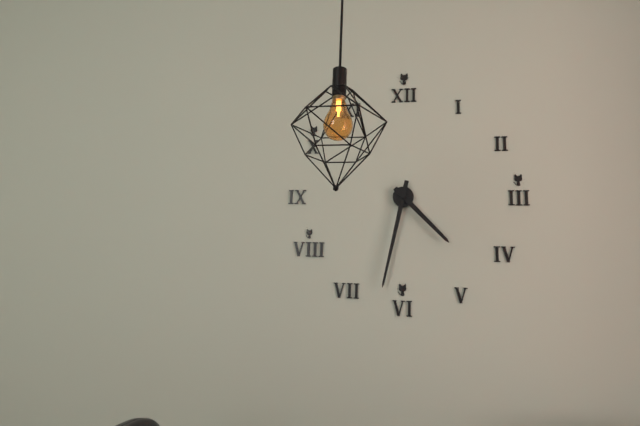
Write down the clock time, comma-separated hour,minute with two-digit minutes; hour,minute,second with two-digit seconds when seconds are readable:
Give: 4,32
